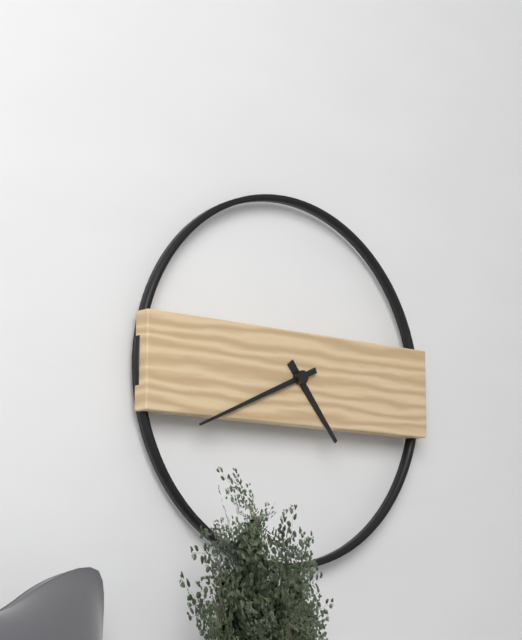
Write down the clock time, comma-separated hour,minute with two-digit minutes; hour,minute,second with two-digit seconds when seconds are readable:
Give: 4,41
